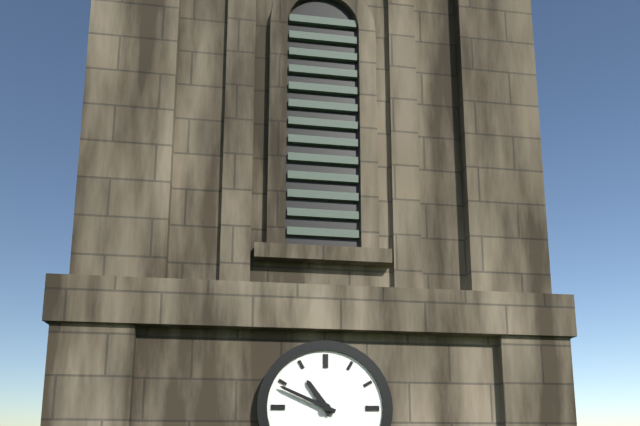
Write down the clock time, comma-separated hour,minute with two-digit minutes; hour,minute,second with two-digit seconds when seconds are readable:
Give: 10,49
